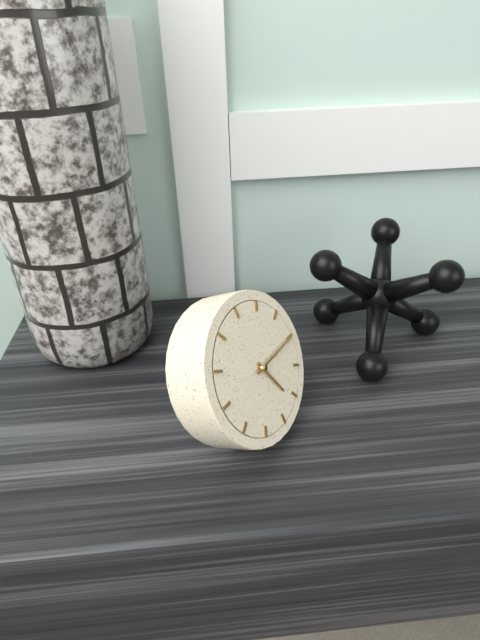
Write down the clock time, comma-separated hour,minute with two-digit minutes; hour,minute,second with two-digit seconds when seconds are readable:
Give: 5,15
